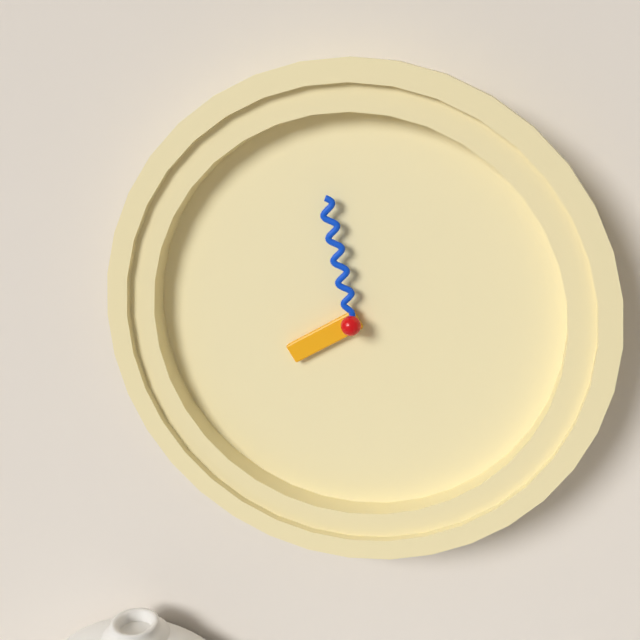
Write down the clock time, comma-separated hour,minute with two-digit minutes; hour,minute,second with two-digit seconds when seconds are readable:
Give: 7,58
